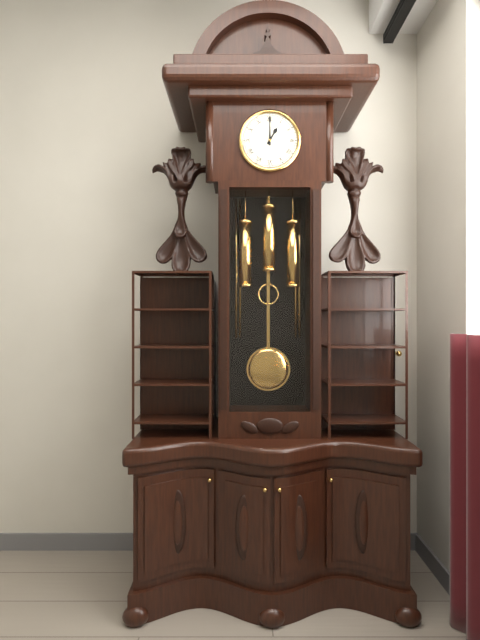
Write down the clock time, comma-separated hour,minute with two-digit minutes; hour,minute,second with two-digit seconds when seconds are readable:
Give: 1,00
